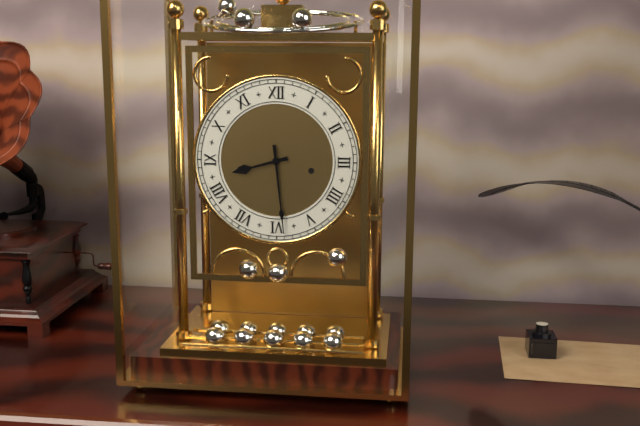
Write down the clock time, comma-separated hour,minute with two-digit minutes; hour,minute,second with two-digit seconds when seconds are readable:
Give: 8,29
